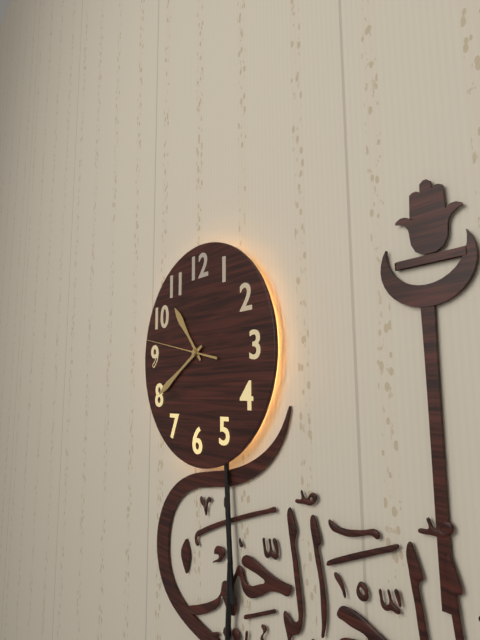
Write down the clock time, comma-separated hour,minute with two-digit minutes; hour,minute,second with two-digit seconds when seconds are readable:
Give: 10,40,47
